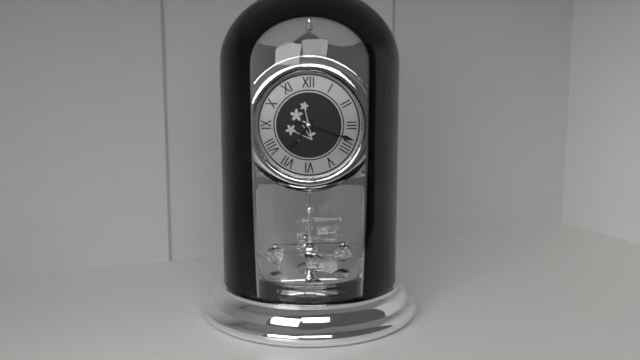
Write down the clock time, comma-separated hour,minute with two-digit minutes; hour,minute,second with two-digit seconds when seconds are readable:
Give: 7,18
